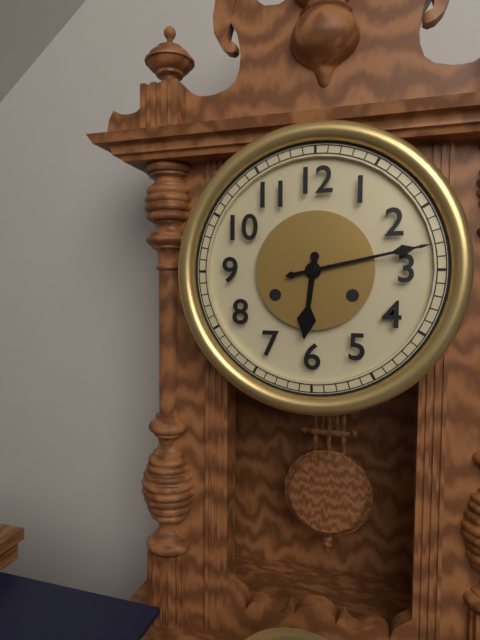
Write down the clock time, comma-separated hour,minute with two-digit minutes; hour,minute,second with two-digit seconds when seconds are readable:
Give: 6,13
